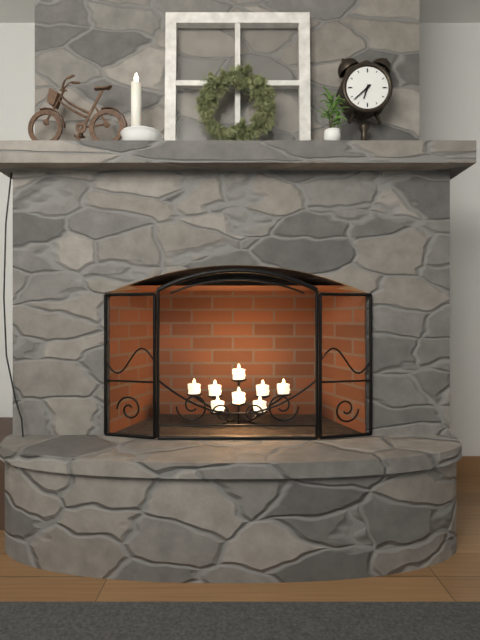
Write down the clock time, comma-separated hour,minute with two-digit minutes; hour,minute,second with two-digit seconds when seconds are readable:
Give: 6,38
